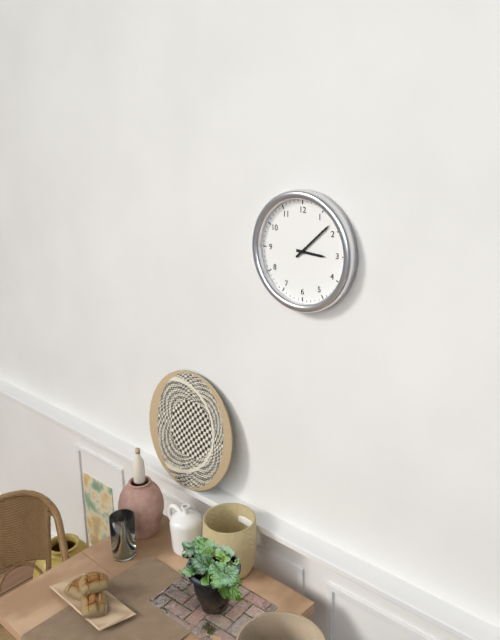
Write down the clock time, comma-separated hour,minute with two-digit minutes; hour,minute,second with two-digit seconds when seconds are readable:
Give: 3,08
